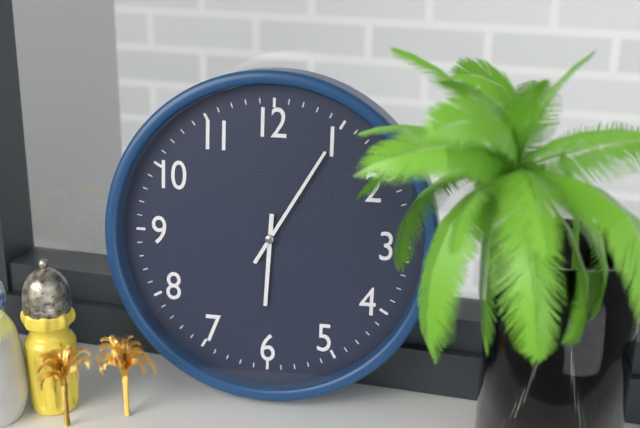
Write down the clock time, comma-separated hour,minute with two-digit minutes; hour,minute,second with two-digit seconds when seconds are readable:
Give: 6,05
